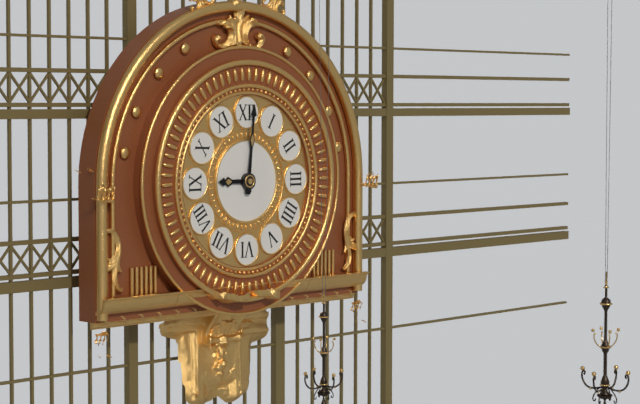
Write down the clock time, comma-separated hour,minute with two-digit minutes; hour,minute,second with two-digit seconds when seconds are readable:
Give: 9,01
